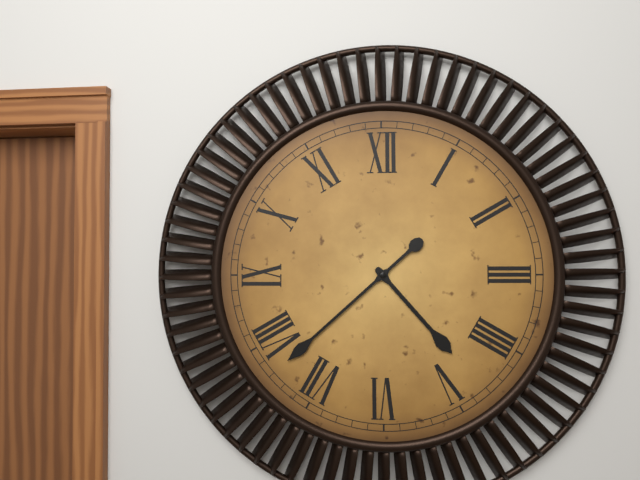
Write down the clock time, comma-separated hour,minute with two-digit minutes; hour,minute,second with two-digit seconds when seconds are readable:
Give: 4,38
